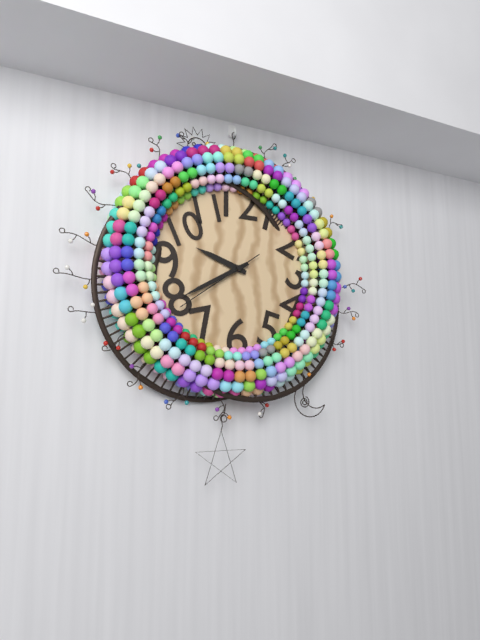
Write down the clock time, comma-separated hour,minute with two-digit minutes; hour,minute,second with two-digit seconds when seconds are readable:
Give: 9,40,39
